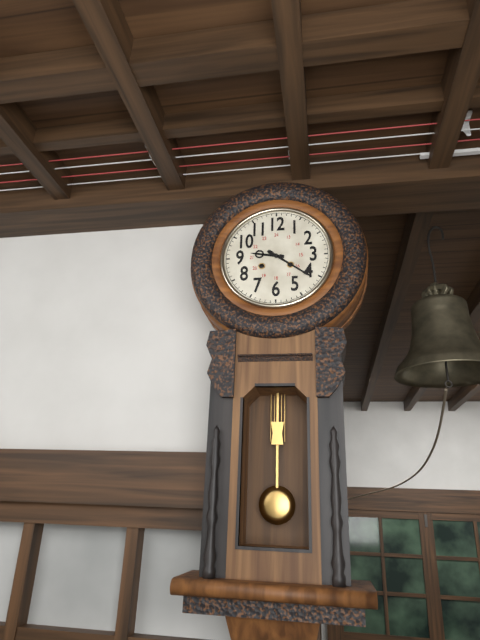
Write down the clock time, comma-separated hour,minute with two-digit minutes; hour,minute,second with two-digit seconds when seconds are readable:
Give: 9,21
